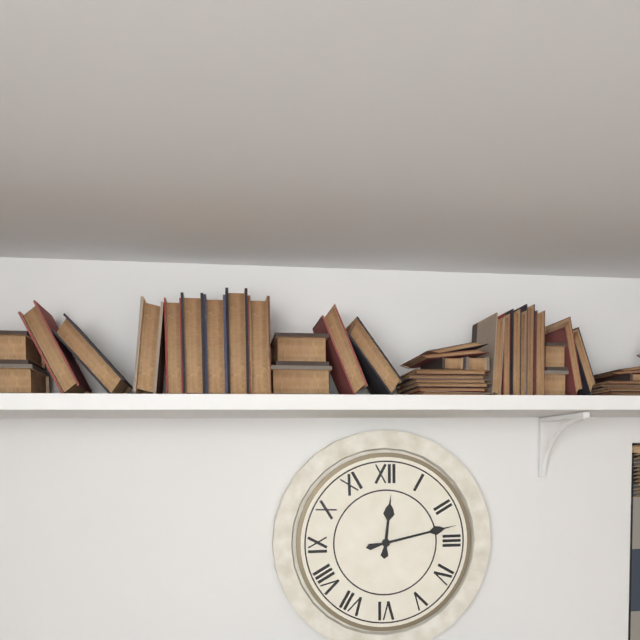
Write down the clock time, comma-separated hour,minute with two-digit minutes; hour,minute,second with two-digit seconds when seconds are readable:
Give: 12,13
